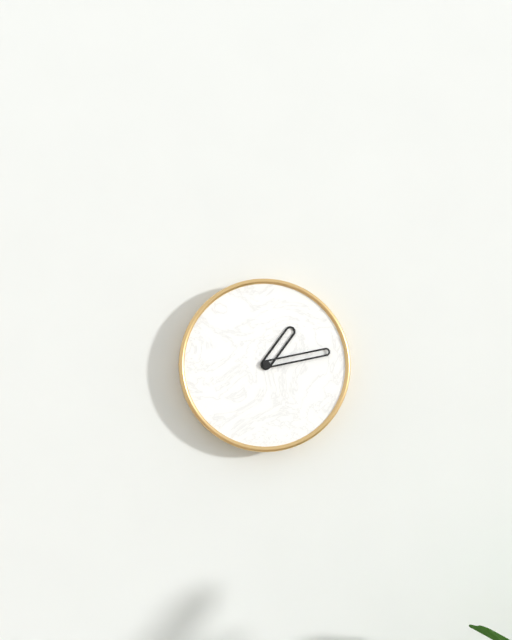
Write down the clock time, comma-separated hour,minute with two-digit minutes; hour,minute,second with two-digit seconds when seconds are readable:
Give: 1,13
